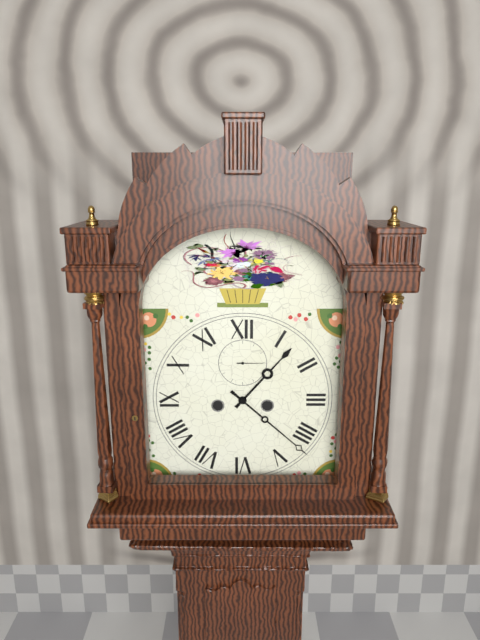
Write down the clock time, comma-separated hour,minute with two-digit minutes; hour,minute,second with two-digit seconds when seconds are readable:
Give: 1,22
